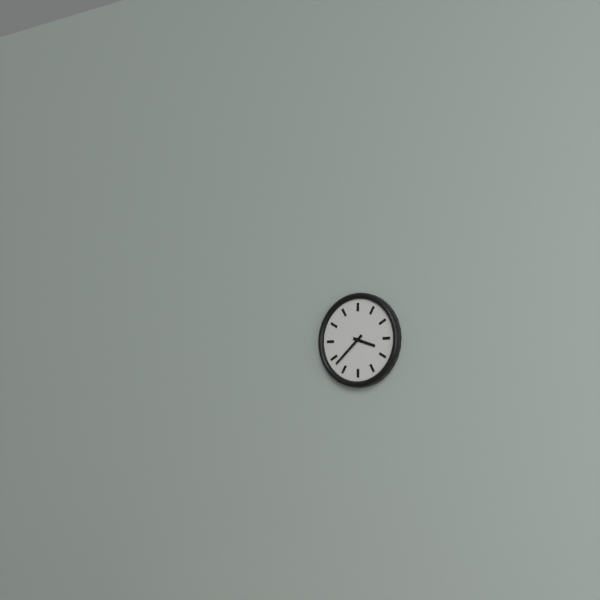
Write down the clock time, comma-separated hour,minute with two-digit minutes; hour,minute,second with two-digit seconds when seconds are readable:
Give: 3,38
